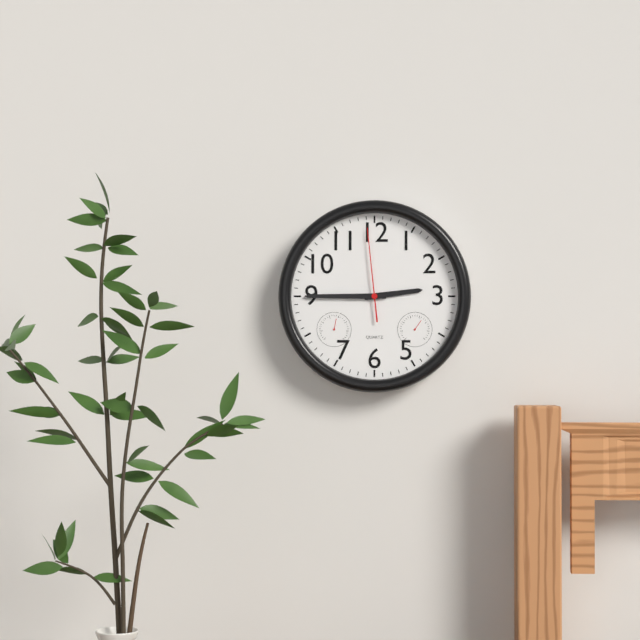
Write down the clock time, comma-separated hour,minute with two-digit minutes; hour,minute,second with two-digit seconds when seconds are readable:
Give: 2,45,59
